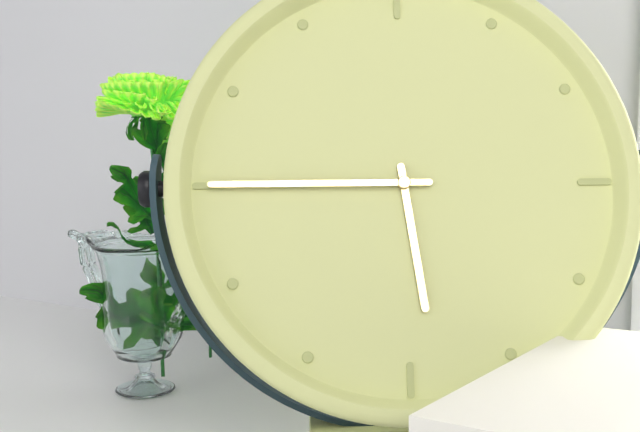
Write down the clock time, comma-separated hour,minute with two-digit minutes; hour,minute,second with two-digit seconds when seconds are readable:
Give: 5,45
